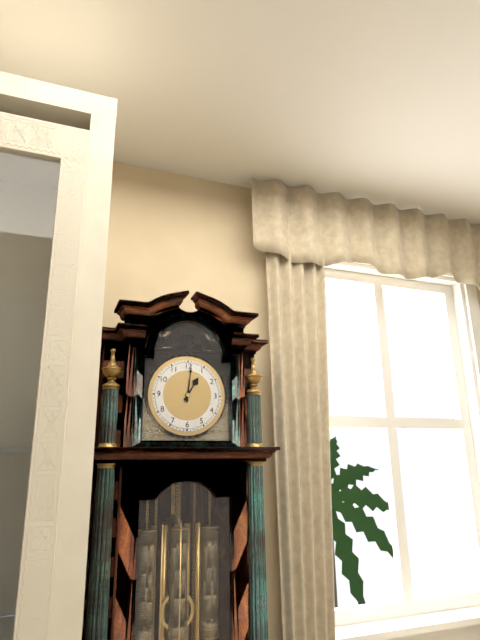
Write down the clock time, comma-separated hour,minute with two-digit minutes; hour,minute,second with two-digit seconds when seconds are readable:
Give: 1,01
